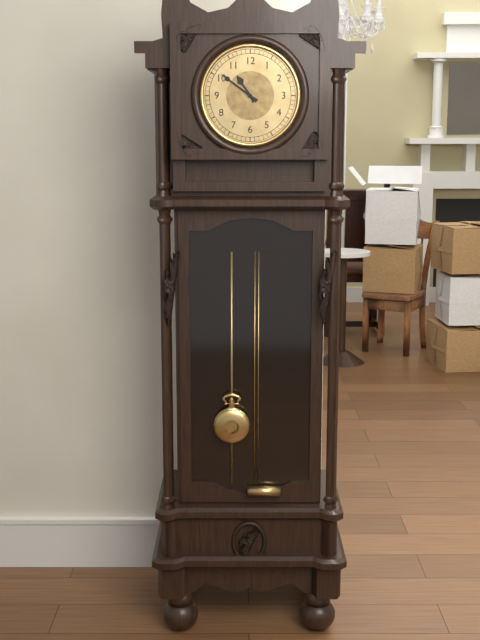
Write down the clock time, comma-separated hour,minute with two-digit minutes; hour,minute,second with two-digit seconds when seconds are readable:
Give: 10,51
